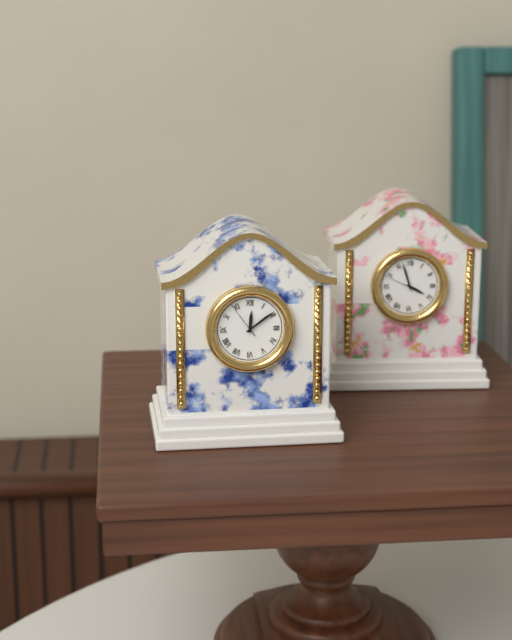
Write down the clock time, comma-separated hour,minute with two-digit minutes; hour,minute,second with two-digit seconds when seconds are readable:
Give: 12,09
